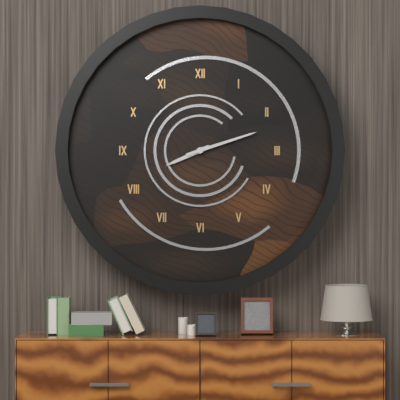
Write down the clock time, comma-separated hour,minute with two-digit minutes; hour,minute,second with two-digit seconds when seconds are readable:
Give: 8,12
